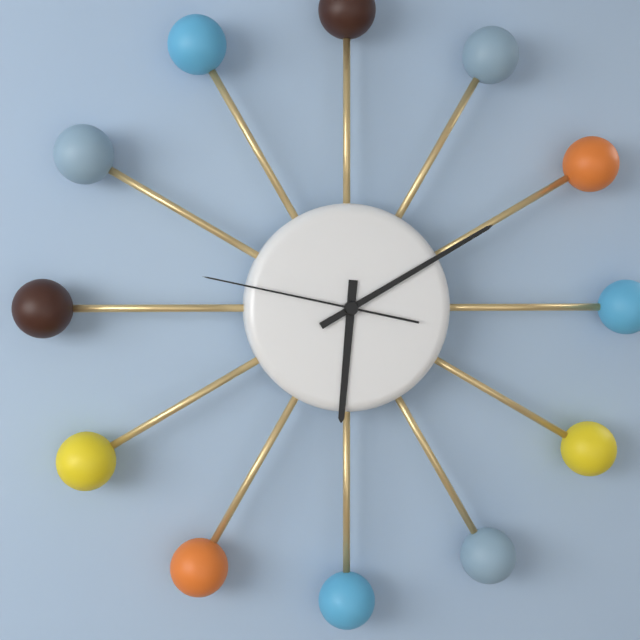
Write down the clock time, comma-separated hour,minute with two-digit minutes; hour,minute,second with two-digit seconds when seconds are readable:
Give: 6,10,47
